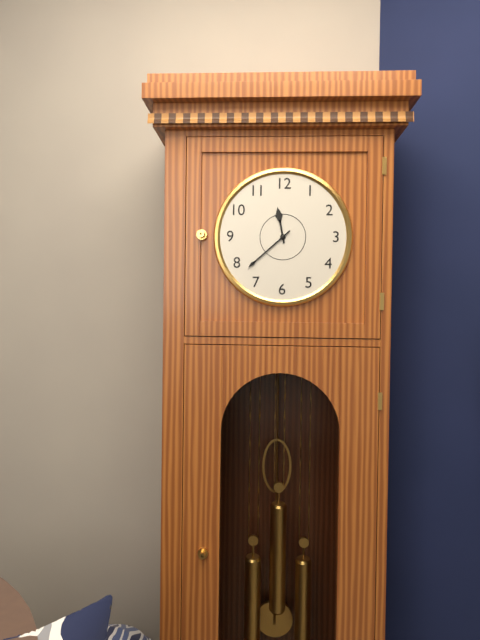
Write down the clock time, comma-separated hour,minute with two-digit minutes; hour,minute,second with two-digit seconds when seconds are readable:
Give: 11,38
